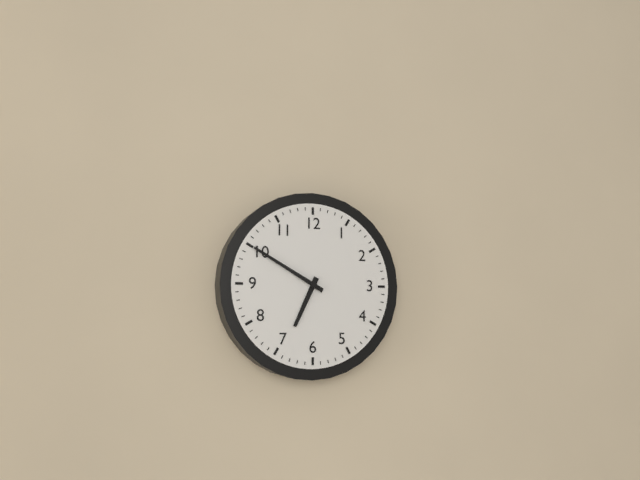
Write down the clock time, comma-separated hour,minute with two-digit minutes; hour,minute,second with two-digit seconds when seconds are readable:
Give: 6,50
